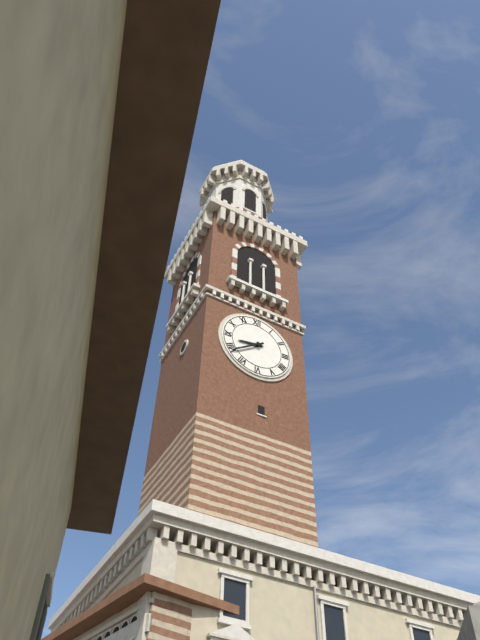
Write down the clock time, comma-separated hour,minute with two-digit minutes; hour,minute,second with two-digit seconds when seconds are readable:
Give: 8,39
